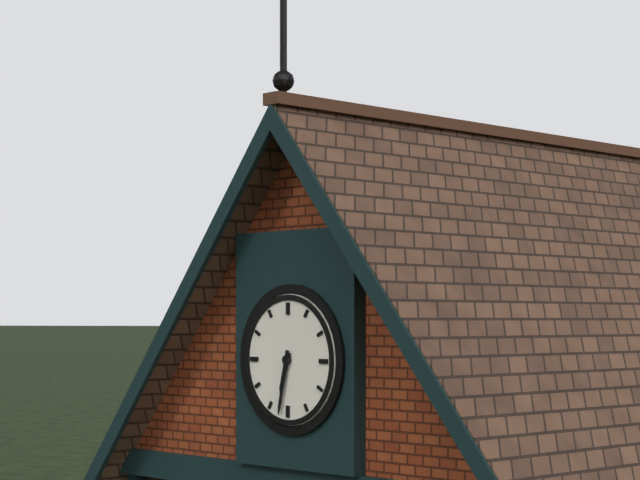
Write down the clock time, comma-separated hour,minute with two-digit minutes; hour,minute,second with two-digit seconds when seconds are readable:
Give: 6,32
